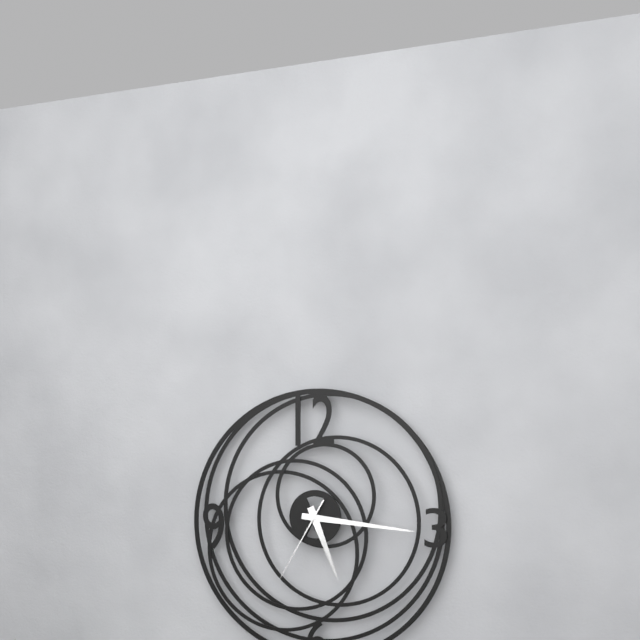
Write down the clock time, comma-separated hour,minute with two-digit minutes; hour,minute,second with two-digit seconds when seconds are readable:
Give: 5,16,35
